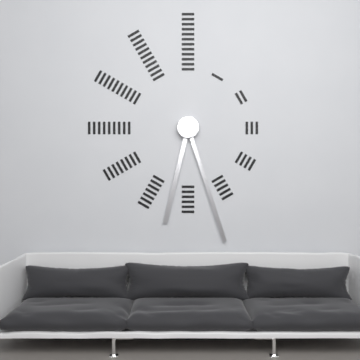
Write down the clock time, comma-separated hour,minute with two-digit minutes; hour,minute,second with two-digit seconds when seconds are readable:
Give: 6,27
